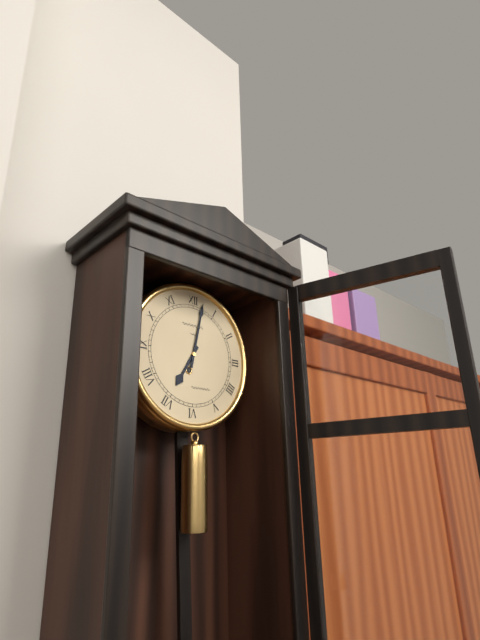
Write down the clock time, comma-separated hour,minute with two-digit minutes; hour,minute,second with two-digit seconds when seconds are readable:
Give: 7,02
